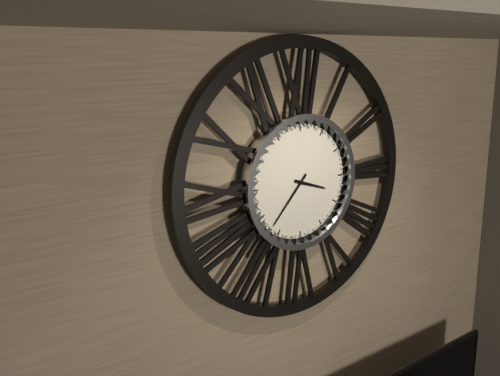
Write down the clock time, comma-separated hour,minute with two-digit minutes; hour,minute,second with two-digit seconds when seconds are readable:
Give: 3,37
